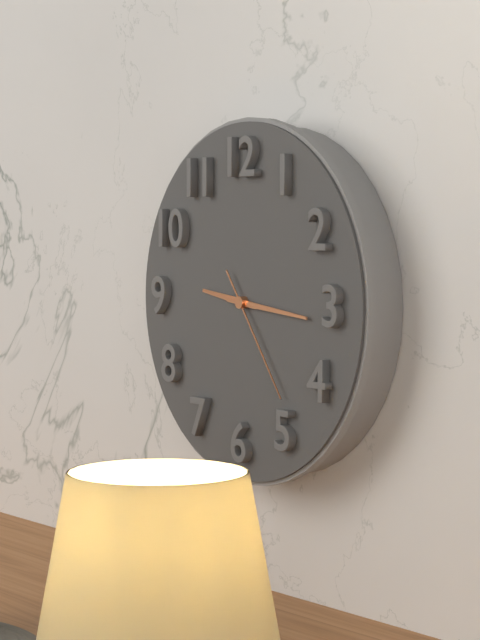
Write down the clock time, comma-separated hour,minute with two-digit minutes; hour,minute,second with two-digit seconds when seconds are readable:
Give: 9,16,24
